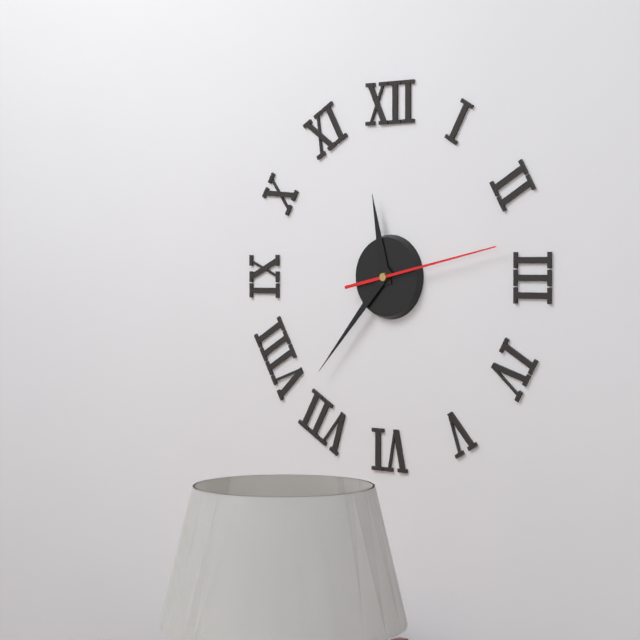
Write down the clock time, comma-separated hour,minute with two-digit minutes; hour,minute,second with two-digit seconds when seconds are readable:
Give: 11,37,13
